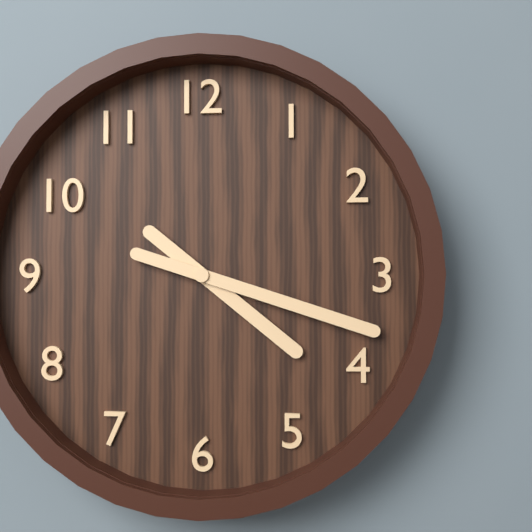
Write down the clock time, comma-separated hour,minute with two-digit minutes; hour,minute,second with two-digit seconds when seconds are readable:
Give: 4,18
